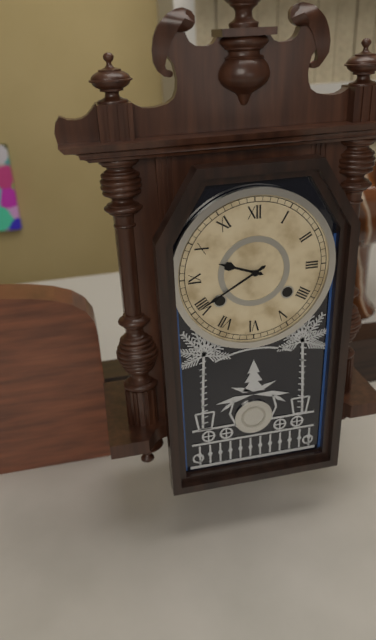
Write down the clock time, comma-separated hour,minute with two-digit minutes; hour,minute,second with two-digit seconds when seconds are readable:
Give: 9,40
